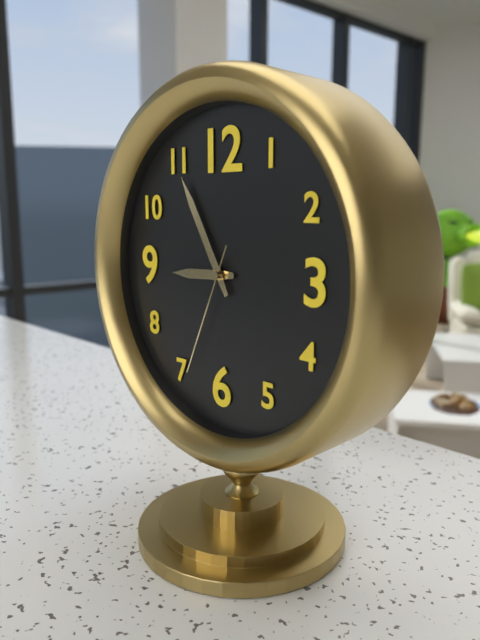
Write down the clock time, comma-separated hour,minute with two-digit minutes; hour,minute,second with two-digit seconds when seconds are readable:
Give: 8,55,34
